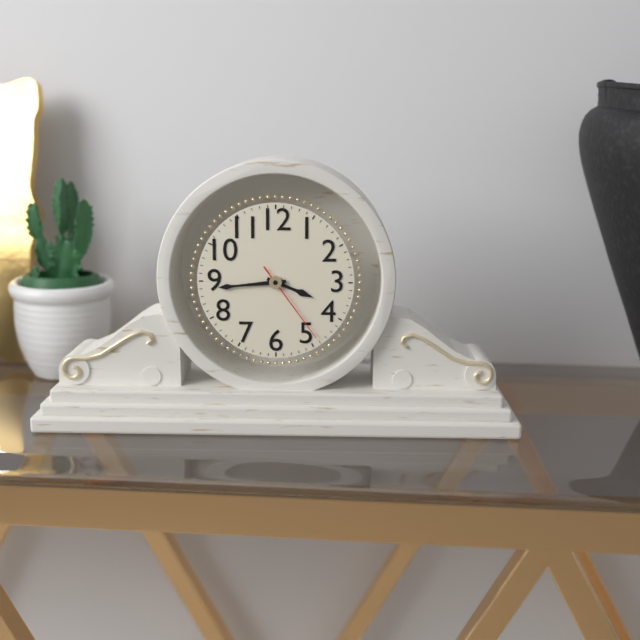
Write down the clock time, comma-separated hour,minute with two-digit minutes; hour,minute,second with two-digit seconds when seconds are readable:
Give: 3,44,24
